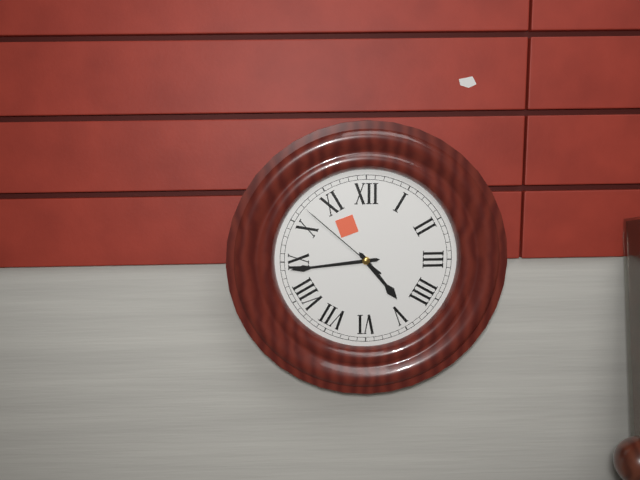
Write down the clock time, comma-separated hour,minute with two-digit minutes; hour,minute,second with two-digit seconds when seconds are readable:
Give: 4,44,52
